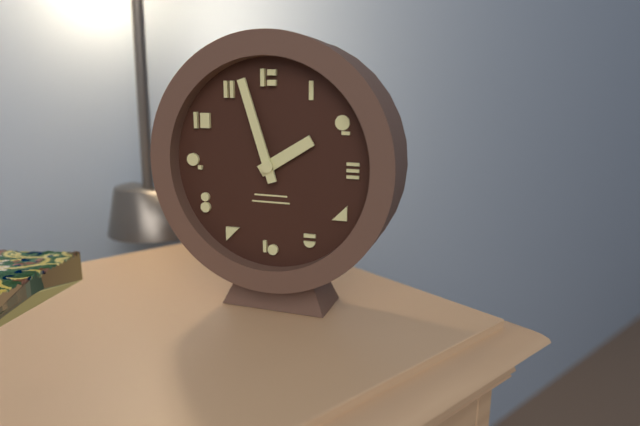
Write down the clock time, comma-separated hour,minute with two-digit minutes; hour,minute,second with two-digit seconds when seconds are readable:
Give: 1,57
